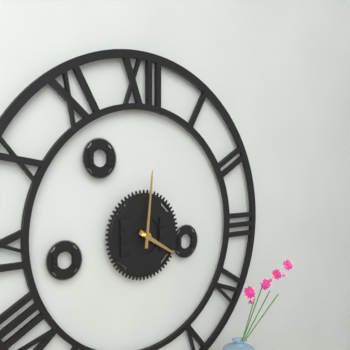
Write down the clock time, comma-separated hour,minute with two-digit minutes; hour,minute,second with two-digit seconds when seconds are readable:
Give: 4,01
